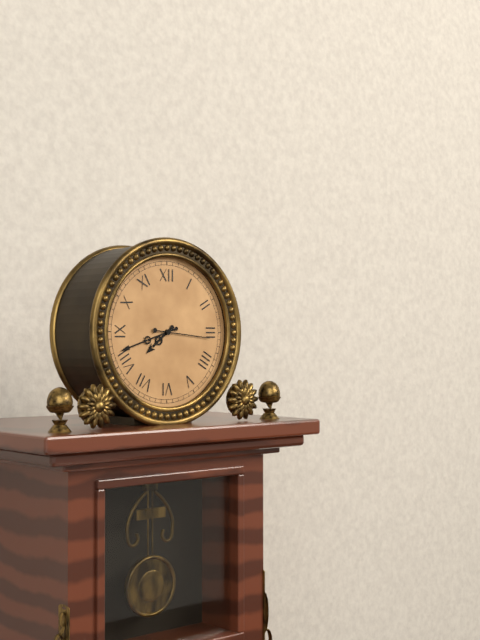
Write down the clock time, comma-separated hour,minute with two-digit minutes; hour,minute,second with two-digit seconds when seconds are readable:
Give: 7,42,16
